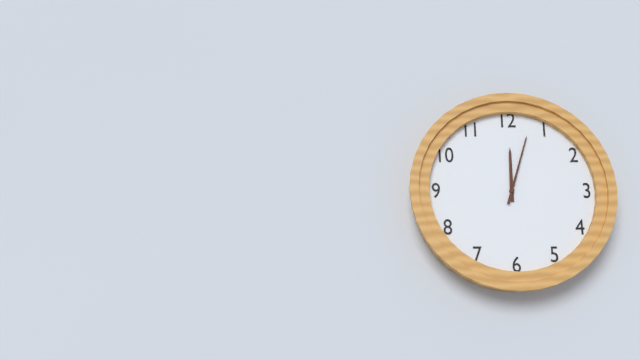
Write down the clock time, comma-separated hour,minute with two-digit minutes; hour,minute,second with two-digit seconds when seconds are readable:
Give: 12,03
